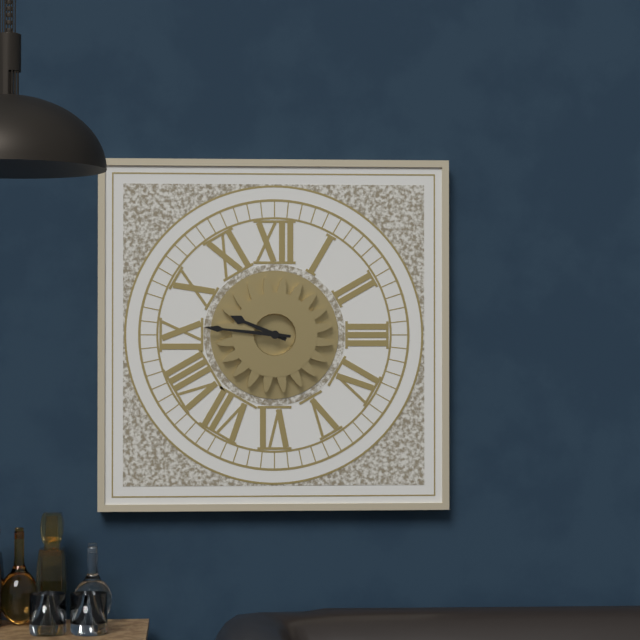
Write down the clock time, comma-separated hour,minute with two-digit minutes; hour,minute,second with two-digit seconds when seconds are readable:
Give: 9,46
